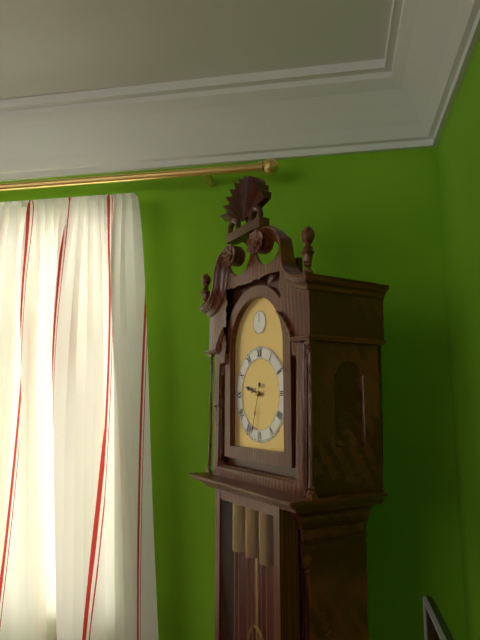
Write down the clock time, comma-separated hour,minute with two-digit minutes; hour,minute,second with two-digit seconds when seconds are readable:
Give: 9,33
